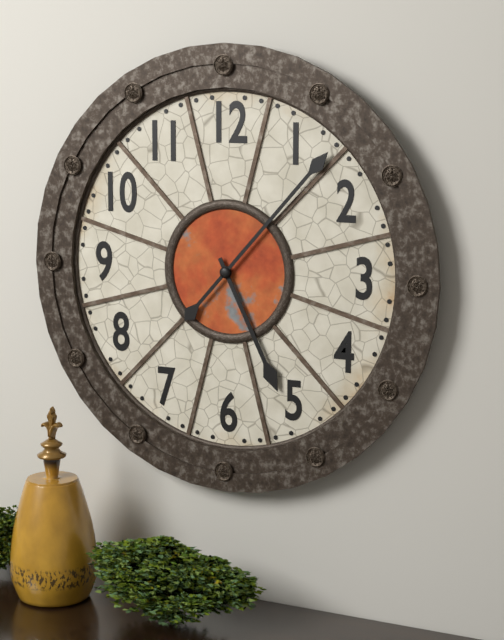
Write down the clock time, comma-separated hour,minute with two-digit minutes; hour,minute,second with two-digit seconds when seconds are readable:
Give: 5,07
